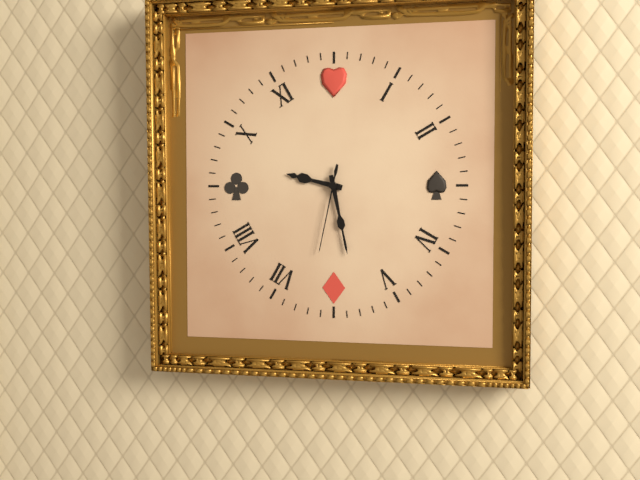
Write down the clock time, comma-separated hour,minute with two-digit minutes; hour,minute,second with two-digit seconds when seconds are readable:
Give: 9,28,32
